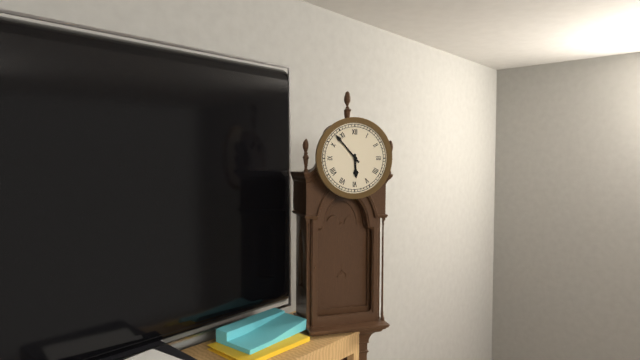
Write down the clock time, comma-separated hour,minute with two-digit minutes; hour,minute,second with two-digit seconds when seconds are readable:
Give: 5,53
